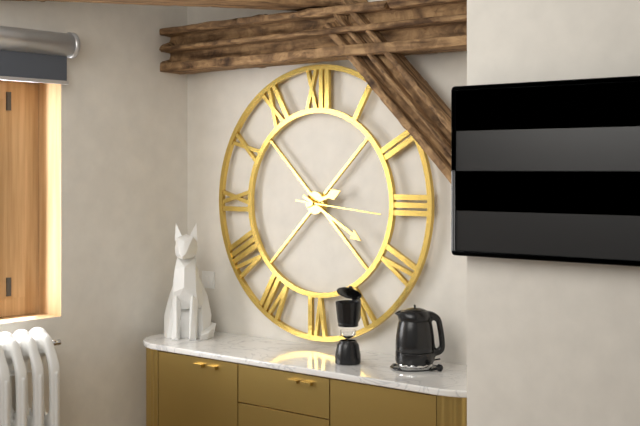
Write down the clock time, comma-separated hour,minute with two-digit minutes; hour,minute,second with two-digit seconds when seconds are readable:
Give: 2,20,16
